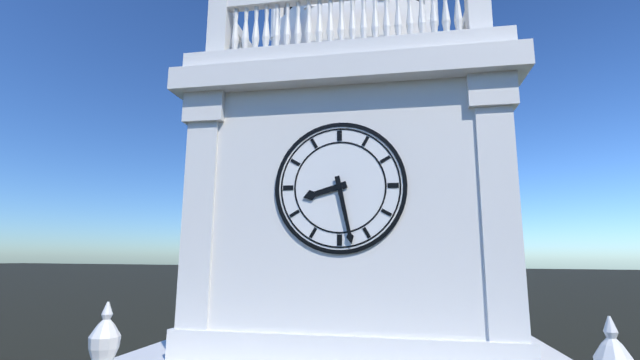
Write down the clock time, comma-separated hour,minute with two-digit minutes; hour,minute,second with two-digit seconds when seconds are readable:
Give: 8,28
